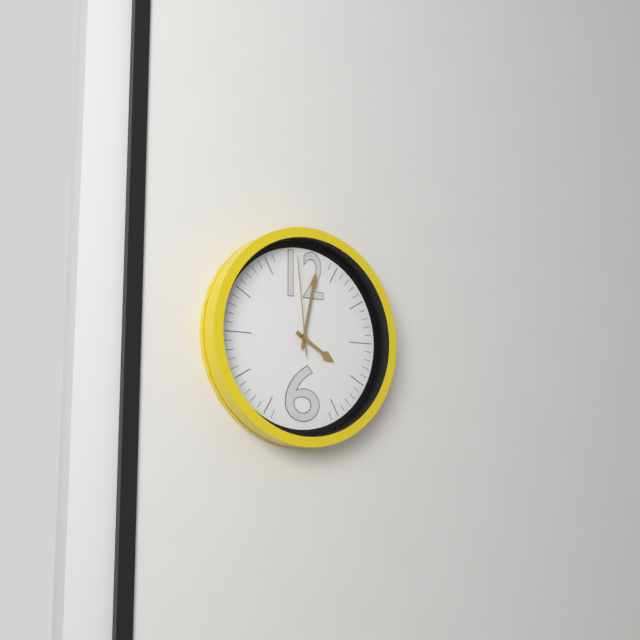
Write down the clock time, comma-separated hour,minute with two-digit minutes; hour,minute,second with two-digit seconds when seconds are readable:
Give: 4,02,59
